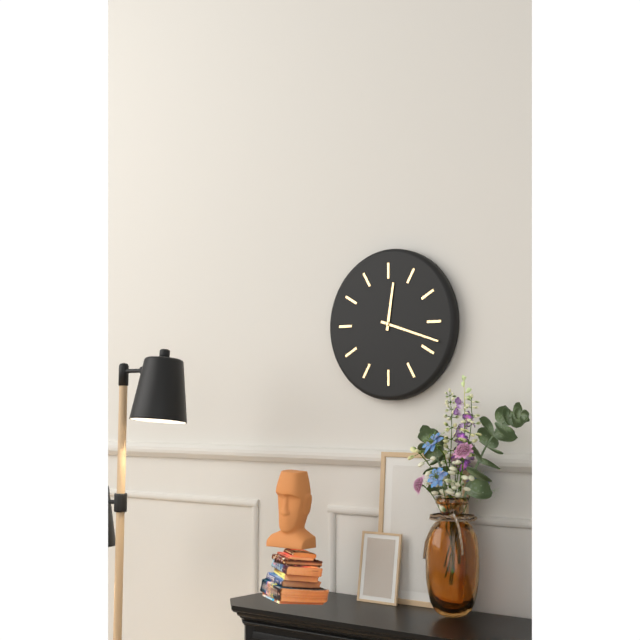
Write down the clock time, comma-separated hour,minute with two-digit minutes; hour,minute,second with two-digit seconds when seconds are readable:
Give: 12,18
